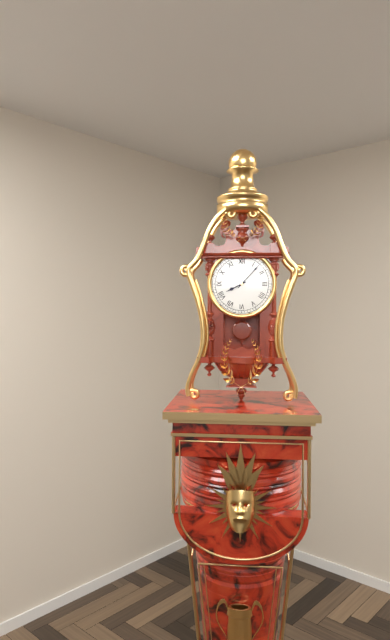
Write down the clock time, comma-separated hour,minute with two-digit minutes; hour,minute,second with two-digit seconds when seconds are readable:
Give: 8,07
